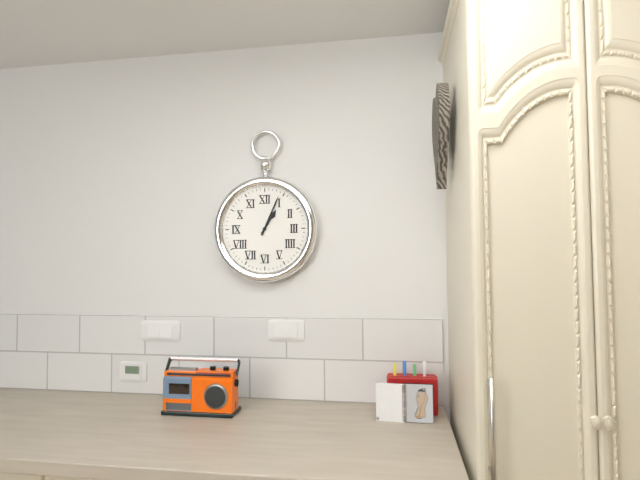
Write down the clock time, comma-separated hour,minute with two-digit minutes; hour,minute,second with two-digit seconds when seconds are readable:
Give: 1,04
